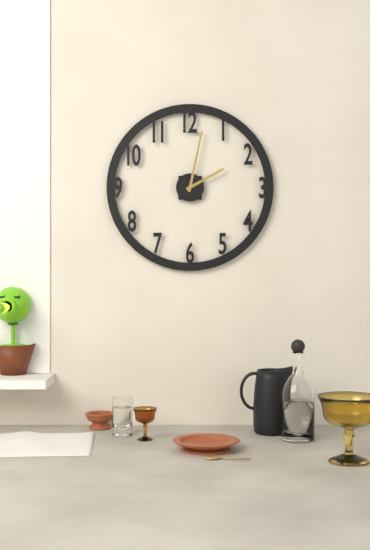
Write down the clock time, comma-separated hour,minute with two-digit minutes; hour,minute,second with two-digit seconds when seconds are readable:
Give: 2,02
